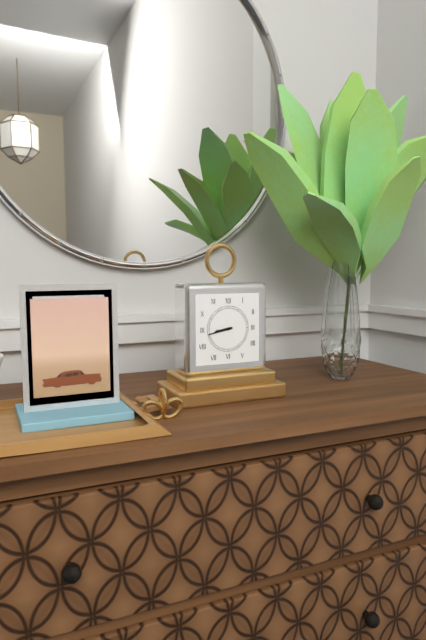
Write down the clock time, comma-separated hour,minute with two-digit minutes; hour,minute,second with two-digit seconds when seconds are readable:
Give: 8,43
